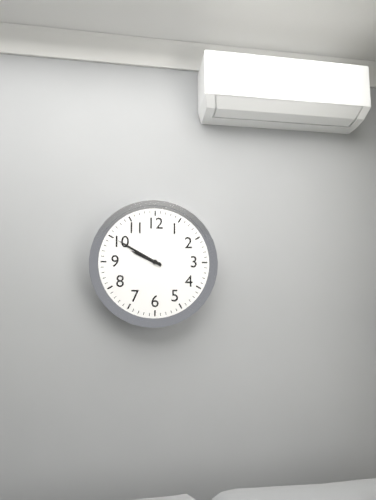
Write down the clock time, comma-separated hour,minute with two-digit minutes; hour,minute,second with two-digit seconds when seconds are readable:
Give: 9,50
